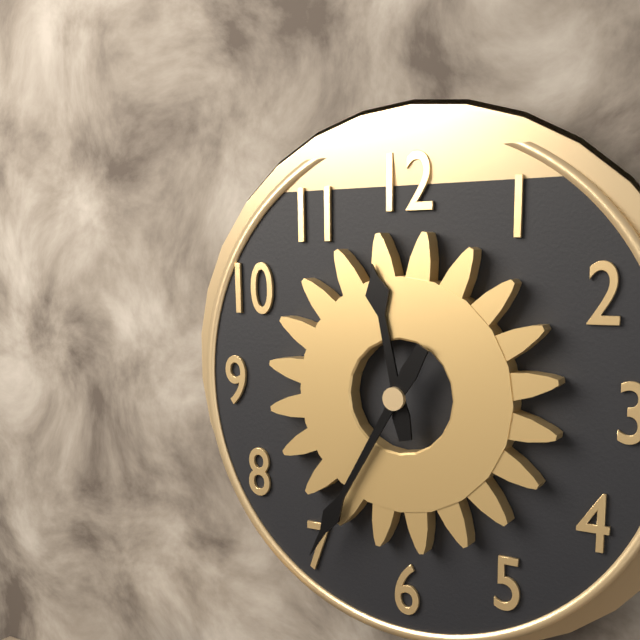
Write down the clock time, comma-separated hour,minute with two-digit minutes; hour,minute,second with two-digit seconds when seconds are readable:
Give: 11,35
